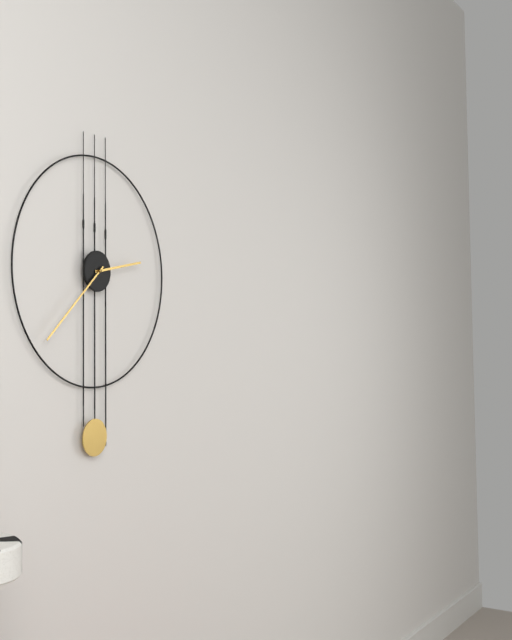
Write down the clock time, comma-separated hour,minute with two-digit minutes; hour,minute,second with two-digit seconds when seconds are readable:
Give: 2,38
